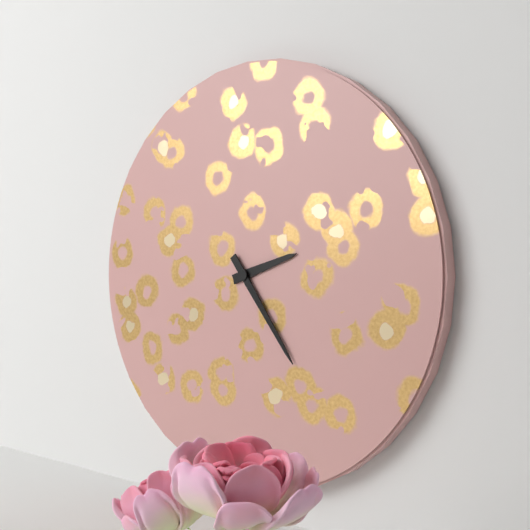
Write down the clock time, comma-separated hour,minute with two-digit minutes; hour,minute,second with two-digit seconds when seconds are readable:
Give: 2,24
